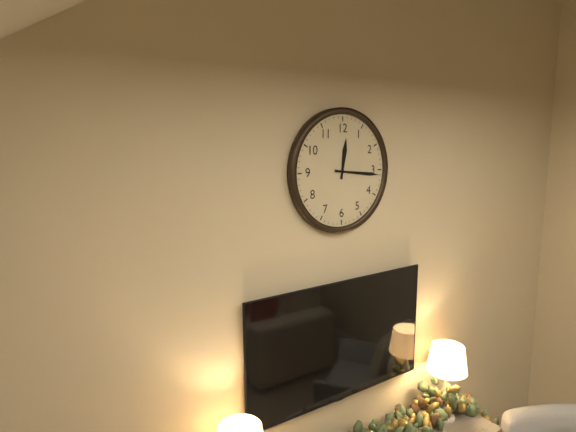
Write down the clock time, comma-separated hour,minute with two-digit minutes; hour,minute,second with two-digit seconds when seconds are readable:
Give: 12,16
